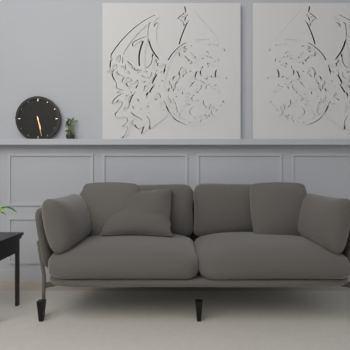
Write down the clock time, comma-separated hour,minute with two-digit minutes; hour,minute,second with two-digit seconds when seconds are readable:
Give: 5,28
